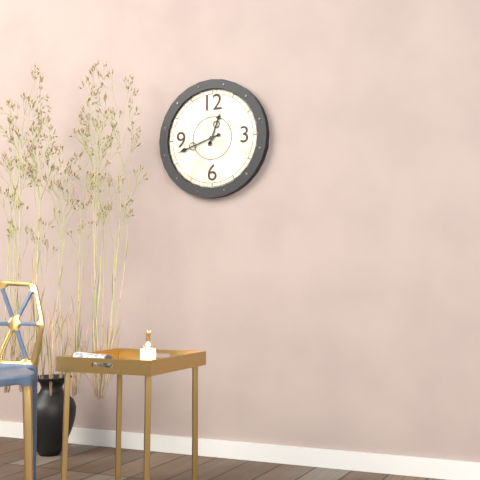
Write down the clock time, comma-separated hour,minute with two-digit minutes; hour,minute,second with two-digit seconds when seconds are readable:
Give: 12,42
